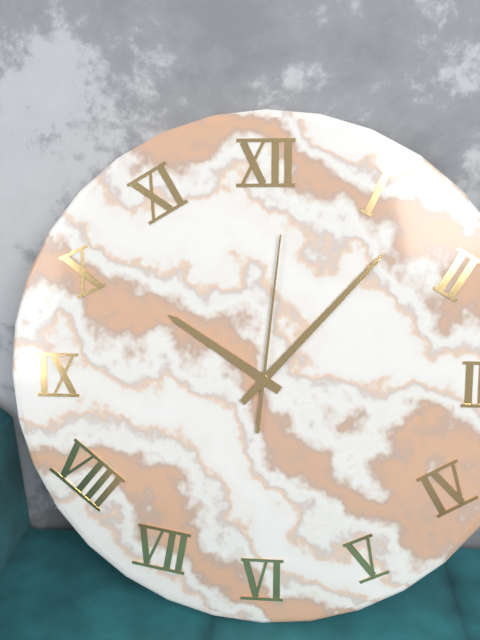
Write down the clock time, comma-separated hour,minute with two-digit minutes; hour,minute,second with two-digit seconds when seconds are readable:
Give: 10,07,01
